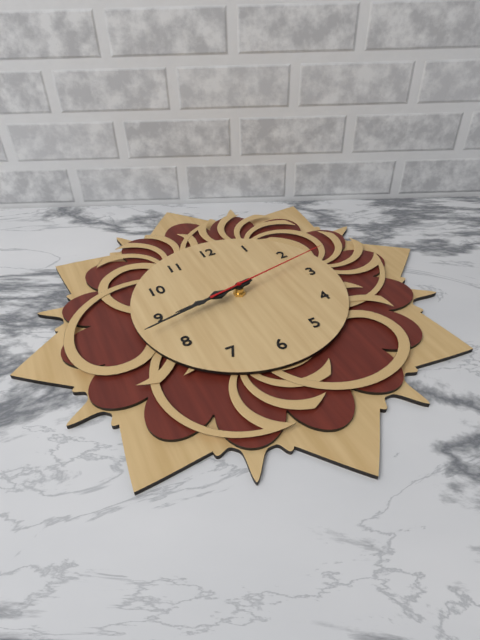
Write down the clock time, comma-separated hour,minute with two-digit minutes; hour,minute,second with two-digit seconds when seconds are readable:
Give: 8,43,13
